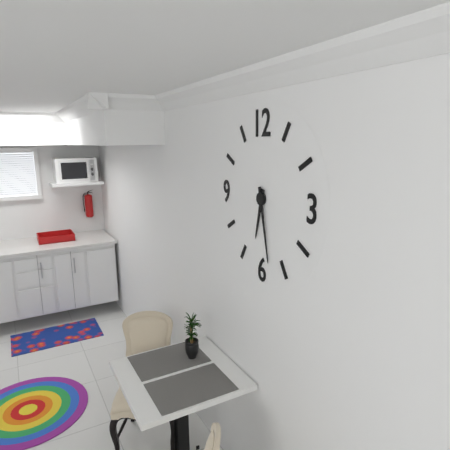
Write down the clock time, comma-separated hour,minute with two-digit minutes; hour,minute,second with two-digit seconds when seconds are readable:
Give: 6,28
